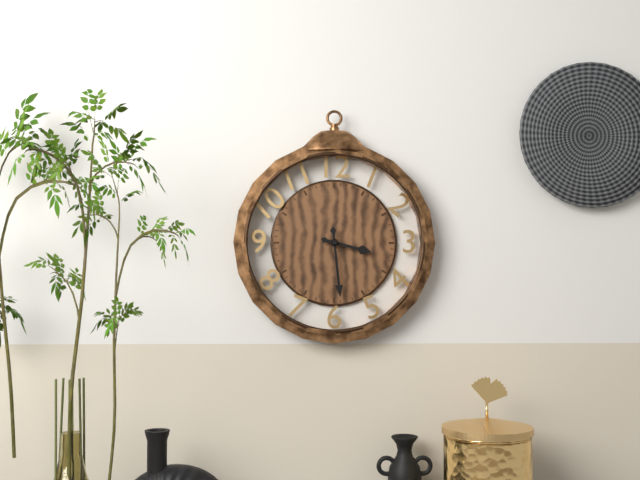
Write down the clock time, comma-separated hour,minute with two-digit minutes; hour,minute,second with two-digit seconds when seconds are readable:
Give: 3,29
